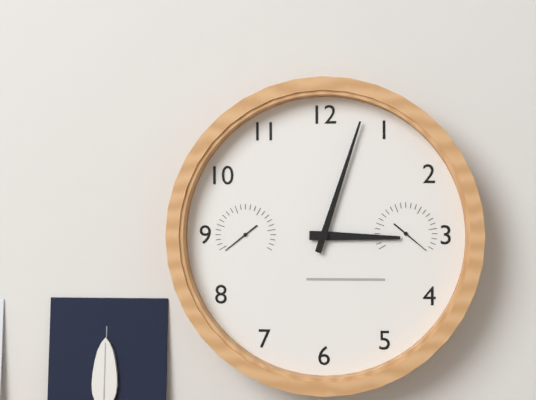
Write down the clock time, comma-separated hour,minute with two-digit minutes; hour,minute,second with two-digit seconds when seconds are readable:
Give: 3,03
